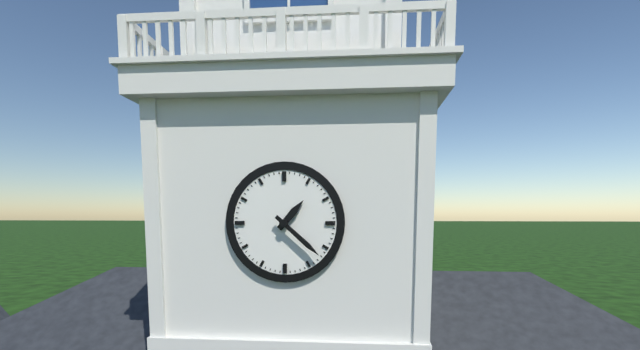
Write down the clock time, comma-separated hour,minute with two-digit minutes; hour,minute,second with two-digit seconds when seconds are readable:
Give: 1,22
